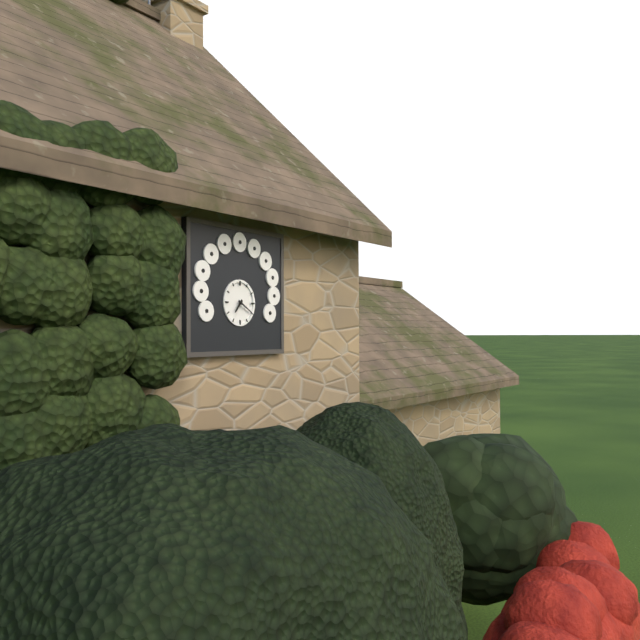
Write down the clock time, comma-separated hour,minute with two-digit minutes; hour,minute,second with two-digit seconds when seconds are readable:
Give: 7,20
